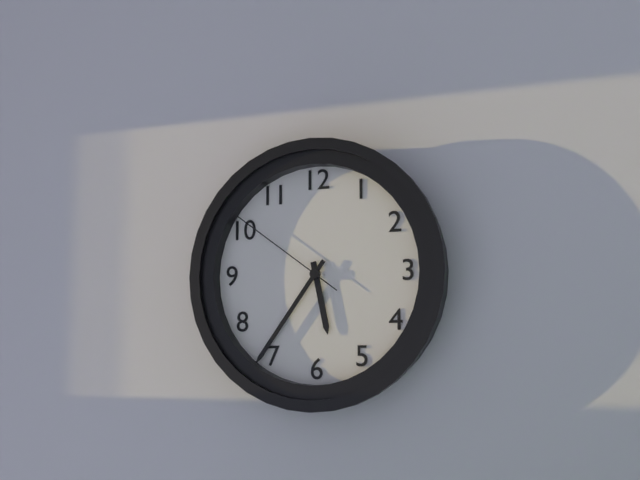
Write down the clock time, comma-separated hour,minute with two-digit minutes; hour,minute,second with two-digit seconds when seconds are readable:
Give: 5,36,51
